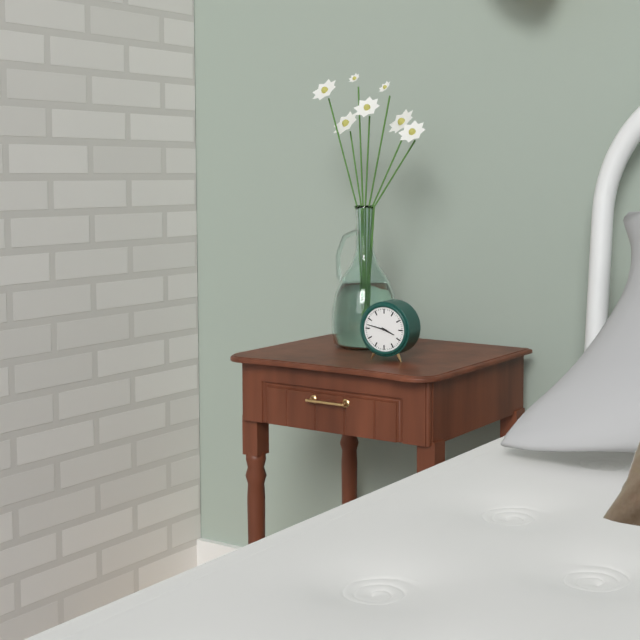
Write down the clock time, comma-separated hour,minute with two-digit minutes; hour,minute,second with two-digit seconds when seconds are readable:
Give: 3,47
